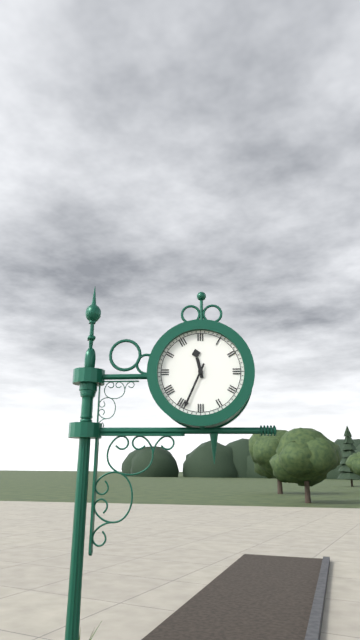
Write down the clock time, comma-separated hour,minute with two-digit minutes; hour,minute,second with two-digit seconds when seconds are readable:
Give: 11,34
